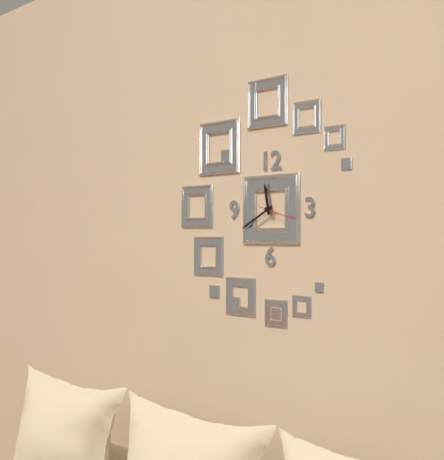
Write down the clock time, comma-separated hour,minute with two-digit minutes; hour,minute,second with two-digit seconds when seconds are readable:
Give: 11,40
